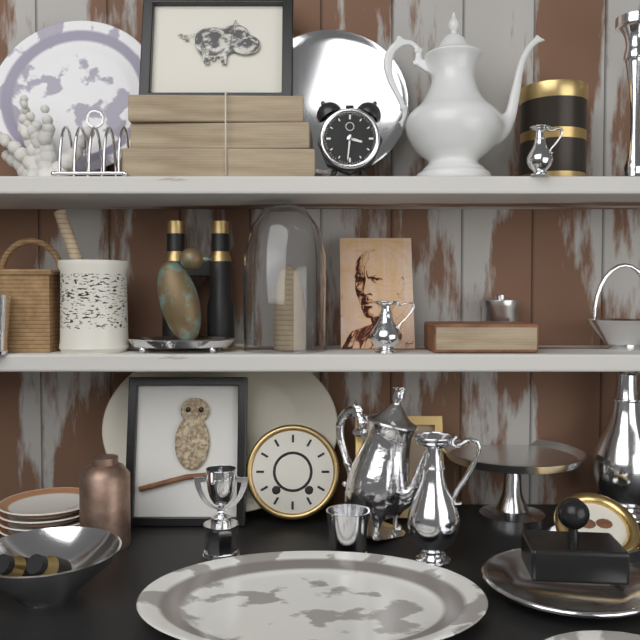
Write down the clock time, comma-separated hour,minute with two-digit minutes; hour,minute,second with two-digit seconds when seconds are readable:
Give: 3,31
